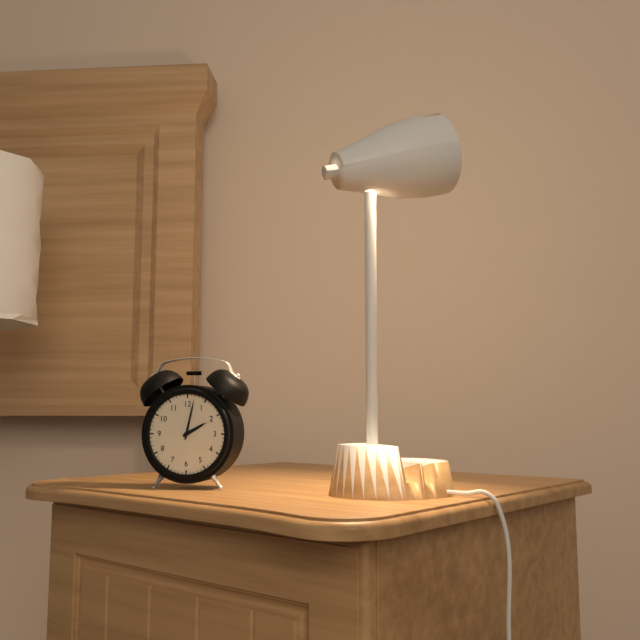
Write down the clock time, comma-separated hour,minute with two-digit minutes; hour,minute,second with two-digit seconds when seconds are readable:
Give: 2,02
